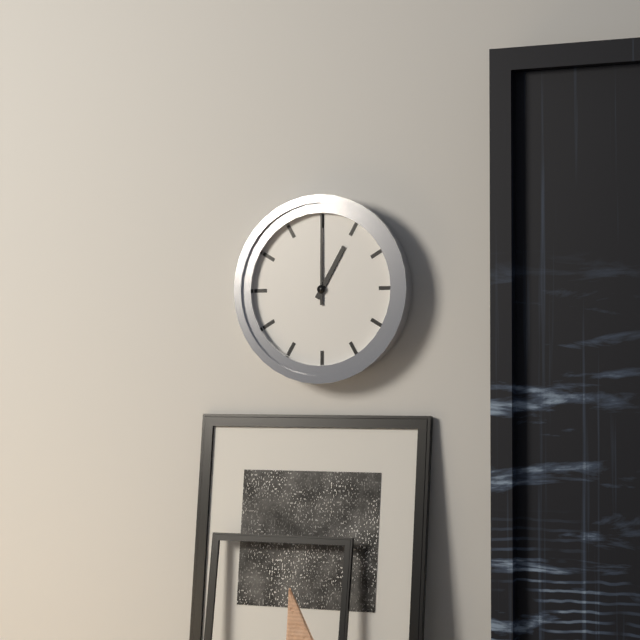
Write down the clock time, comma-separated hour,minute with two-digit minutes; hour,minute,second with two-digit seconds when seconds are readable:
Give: 1,00
